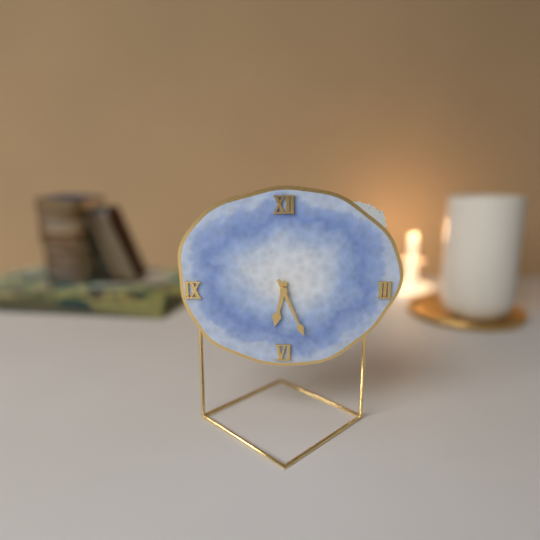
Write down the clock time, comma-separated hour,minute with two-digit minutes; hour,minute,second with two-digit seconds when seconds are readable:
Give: 6,26
